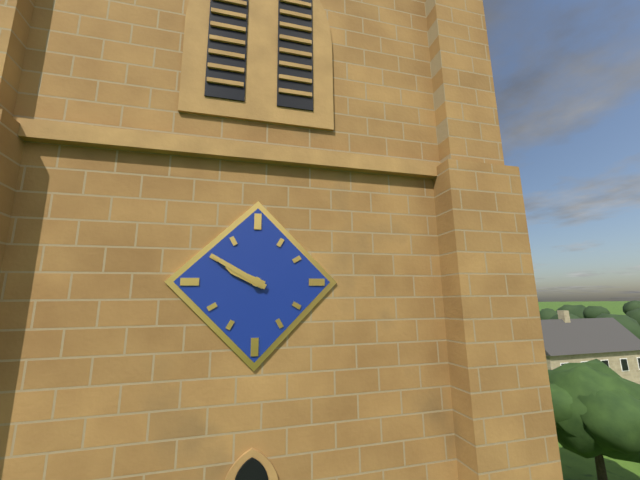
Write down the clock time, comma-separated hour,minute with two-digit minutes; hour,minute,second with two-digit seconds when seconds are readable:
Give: 9,50
